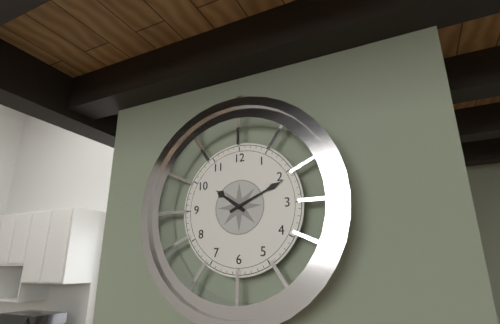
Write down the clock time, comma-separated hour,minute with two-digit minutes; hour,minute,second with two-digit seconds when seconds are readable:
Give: 10,11
